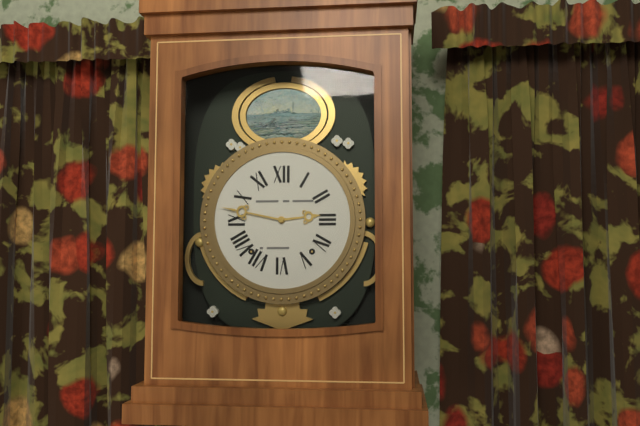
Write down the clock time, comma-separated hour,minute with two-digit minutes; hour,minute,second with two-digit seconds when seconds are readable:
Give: 2,47
